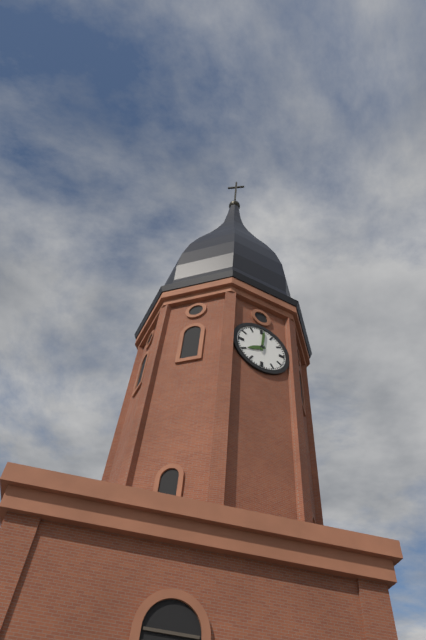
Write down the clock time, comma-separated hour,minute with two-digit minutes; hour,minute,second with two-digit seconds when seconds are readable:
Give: 8,01
